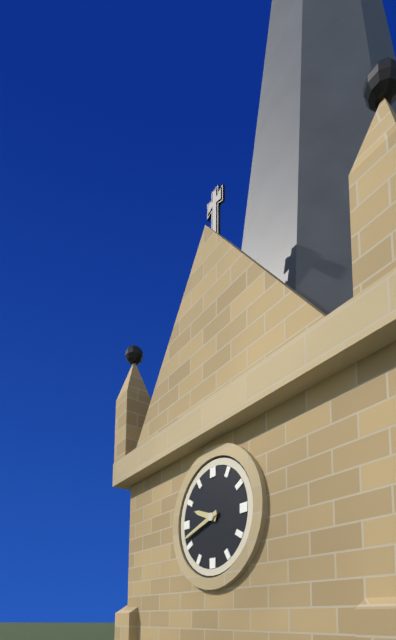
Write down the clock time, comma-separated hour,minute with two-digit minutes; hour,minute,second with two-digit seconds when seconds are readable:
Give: 9,42
